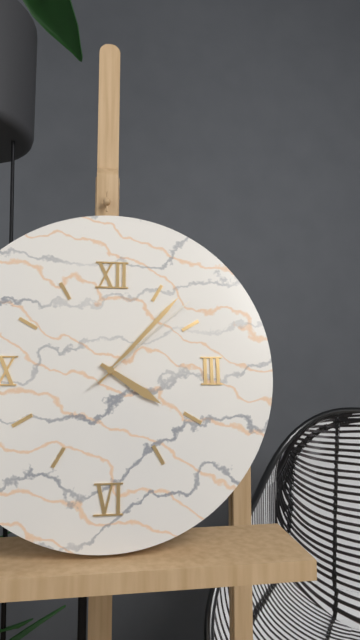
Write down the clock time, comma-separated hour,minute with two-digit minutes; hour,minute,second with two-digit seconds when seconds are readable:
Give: 4,07,08
